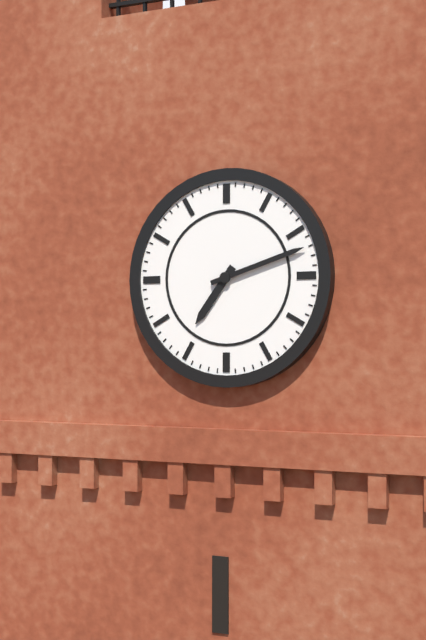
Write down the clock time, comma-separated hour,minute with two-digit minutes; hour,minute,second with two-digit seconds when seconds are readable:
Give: 7,12
